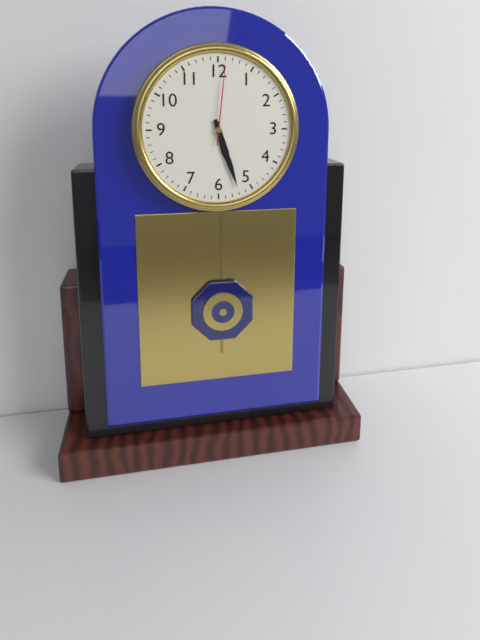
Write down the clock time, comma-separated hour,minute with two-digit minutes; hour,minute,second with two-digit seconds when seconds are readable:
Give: 5,27,01
